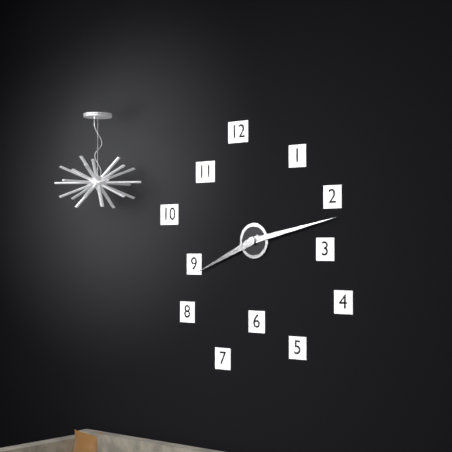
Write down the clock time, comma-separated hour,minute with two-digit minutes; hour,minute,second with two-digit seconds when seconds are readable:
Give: 8,13
